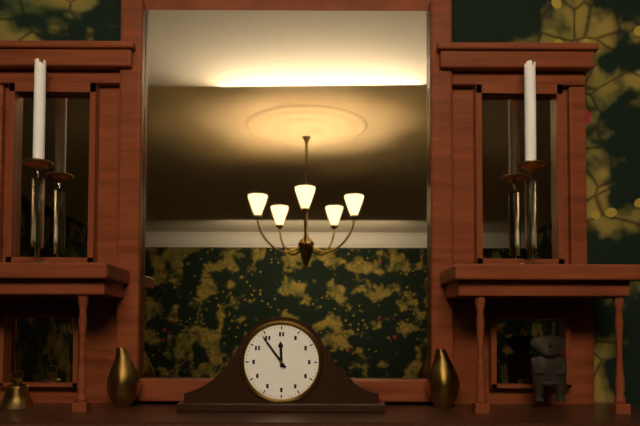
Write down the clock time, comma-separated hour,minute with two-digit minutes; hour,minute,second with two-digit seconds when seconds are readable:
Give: 11,54
